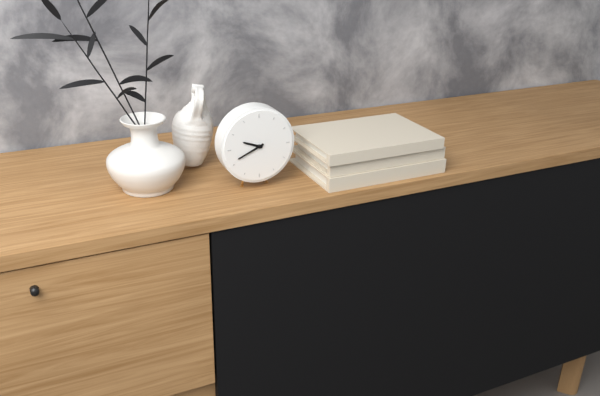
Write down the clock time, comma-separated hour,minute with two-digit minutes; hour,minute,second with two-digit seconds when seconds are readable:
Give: 9,41
